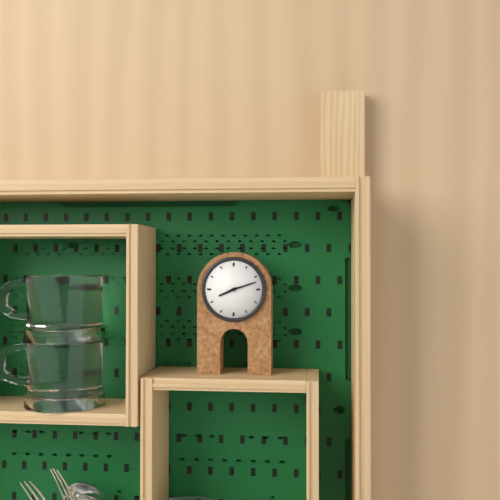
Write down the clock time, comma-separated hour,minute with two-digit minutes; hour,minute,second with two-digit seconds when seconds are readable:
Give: 8,12
